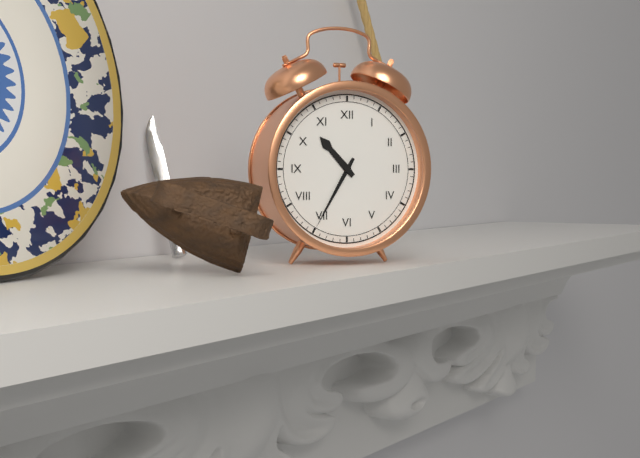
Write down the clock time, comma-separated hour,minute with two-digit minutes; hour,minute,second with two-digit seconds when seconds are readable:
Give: 10,35
